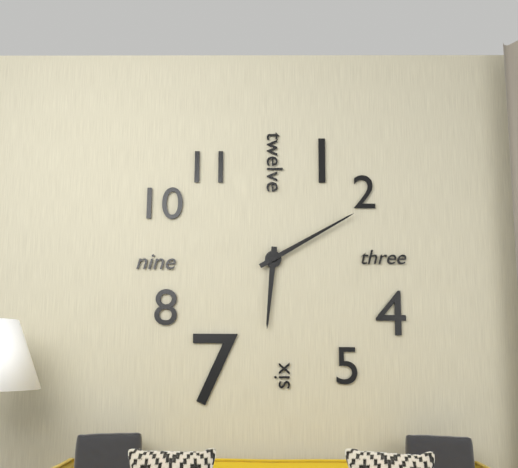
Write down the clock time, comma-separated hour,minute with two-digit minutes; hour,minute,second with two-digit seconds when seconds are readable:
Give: 6,10
